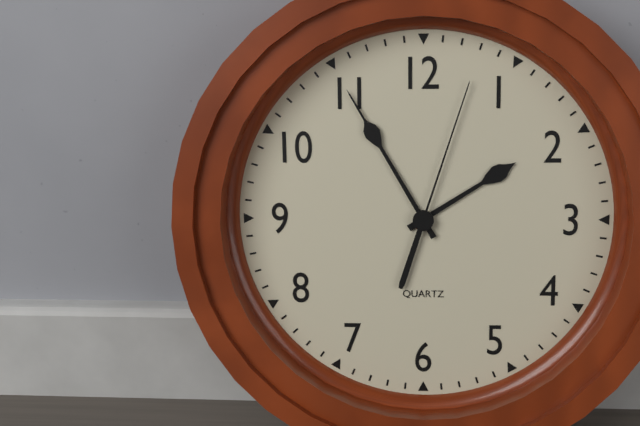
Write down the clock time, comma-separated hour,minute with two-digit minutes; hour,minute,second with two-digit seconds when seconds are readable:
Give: 1,55,03
